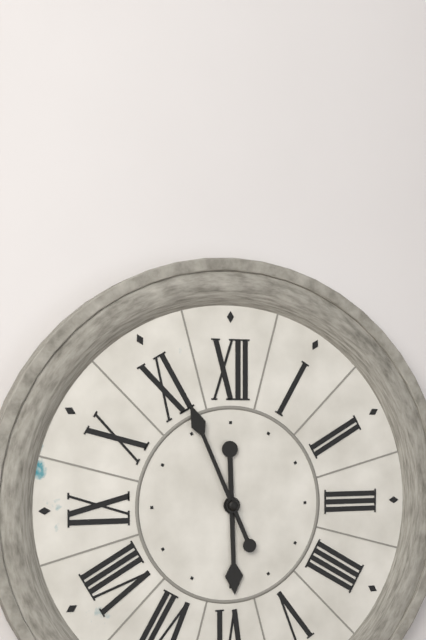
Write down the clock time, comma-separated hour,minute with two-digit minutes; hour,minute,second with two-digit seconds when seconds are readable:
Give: 5,56
